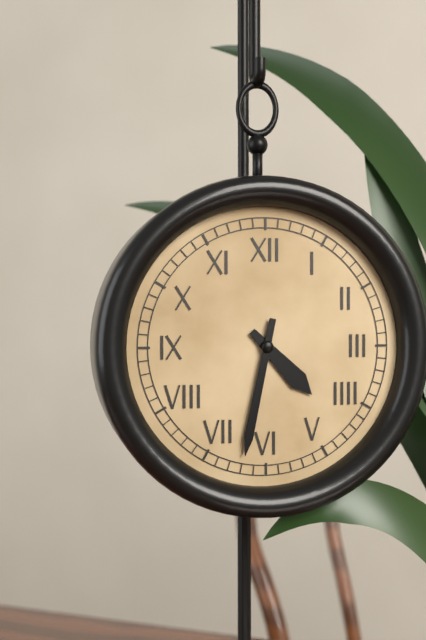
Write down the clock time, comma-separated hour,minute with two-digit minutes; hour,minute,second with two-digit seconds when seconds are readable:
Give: 4,32
